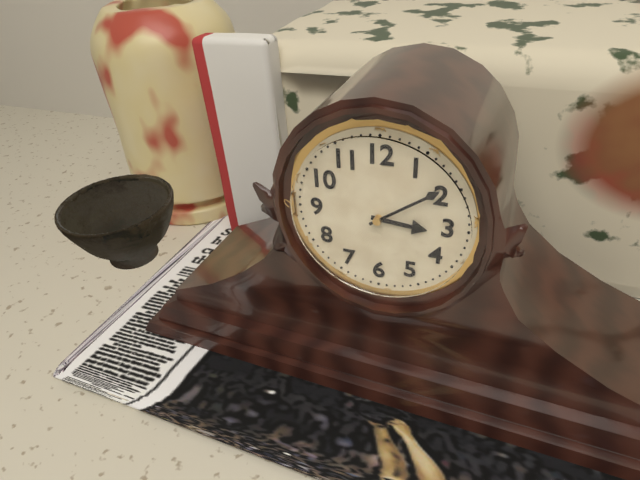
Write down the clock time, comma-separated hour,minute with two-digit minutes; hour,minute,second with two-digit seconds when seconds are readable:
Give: 3,09
